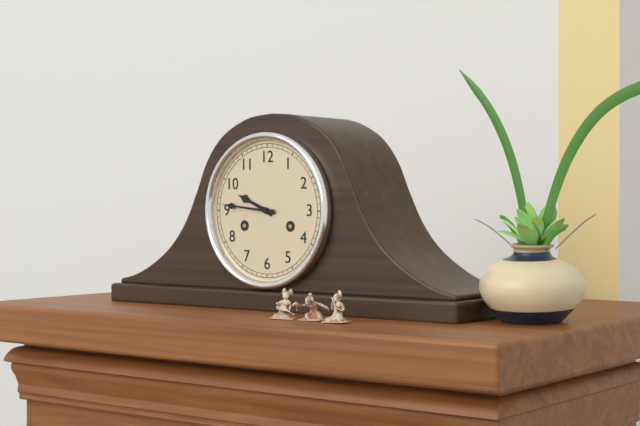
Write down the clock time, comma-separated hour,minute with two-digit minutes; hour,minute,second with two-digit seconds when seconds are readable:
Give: 9,46
